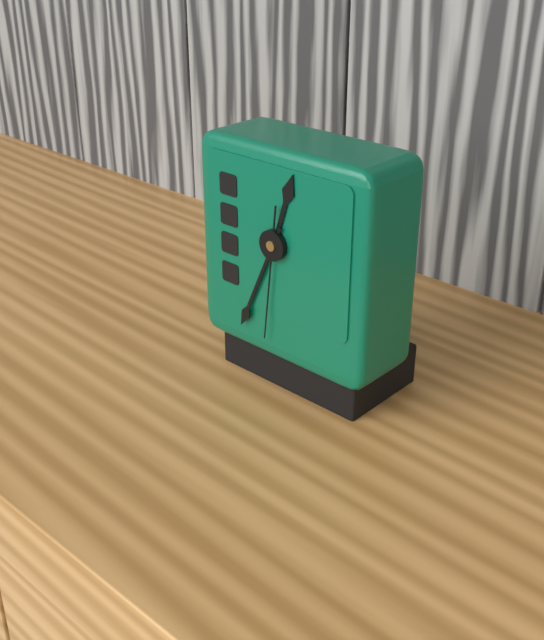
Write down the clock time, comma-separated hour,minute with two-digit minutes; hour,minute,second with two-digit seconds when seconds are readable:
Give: 12,34,31
